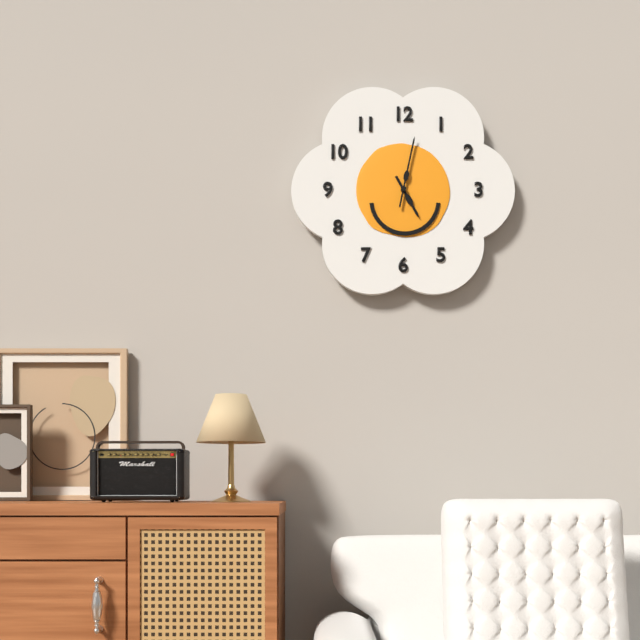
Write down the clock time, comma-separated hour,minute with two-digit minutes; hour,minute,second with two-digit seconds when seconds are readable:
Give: 5,02
